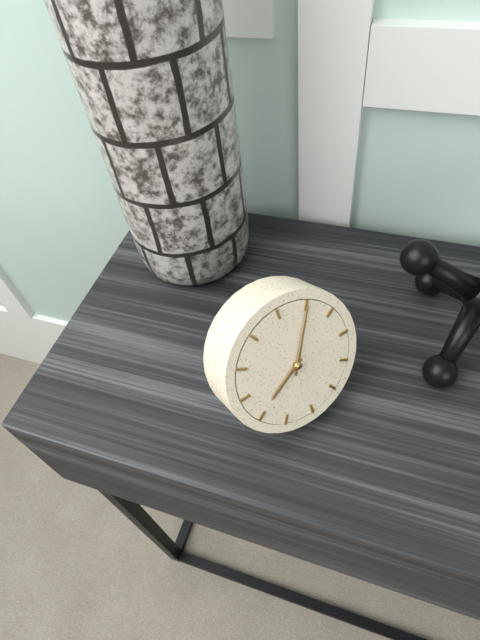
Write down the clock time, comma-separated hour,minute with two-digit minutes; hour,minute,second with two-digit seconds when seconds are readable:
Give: 8,05
